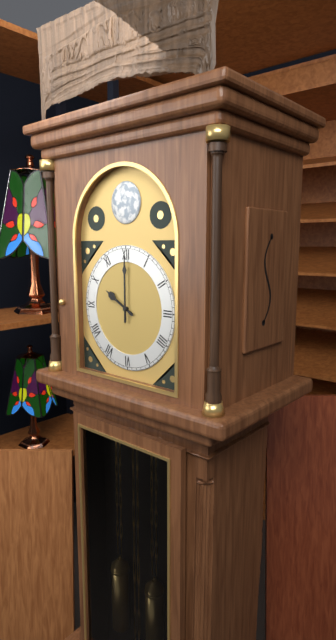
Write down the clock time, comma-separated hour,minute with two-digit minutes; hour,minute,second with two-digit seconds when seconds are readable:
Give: 10,00
